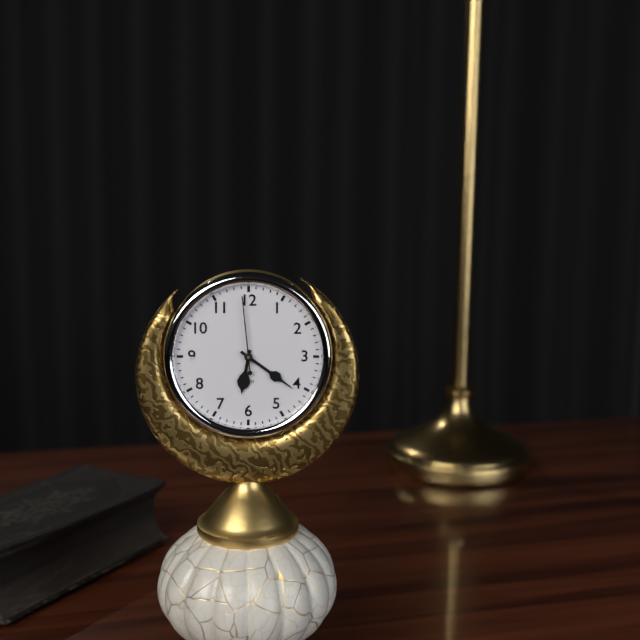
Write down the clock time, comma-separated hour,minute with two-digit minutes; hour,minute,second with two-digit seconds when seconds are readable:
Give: 6,21,59
